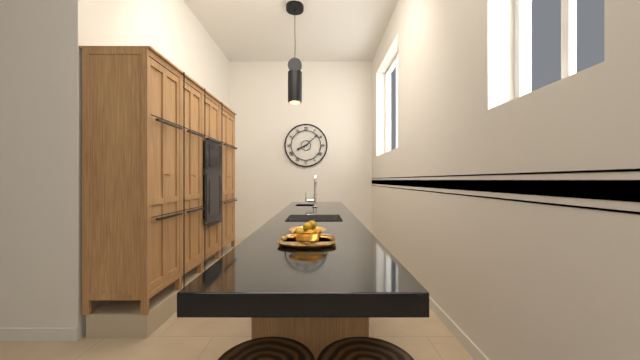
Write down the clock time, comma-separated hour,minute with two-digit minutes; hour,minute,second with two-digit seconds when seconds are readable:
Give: 8,08
